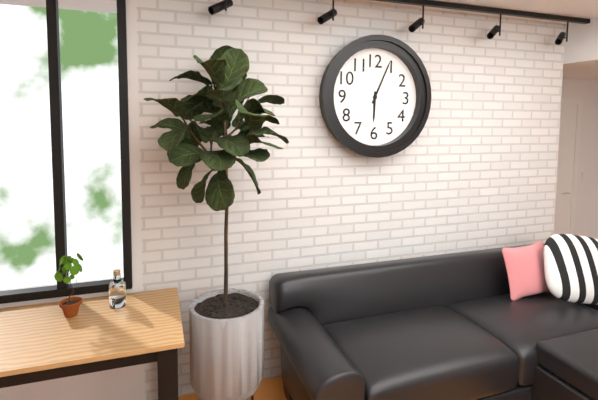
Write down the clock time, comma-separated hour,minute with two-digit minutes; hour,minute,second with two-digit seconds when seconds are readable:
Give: 6,04
